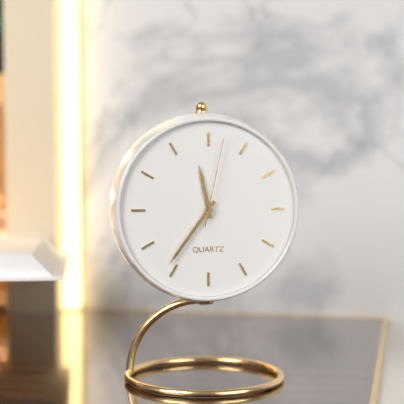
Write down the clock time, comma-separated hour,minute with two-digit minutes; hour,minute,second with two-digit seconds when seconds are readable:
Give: 11,36,02
